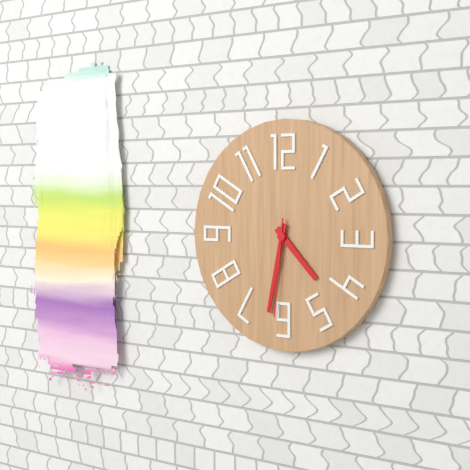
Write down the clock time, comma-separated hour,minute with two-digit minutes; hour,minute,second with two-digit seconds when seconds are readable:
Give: 4,32,31
